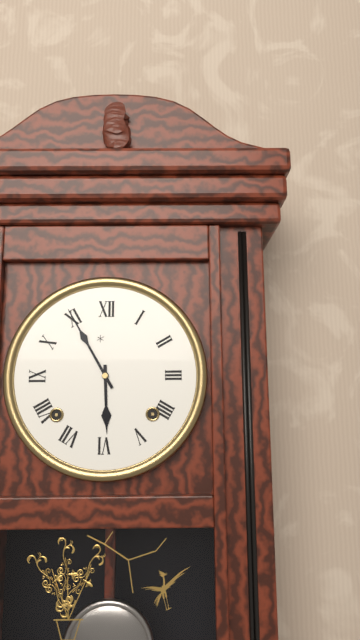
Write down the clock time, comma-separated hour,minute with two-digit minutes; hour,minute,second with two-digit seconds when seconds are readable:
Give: 5,55
